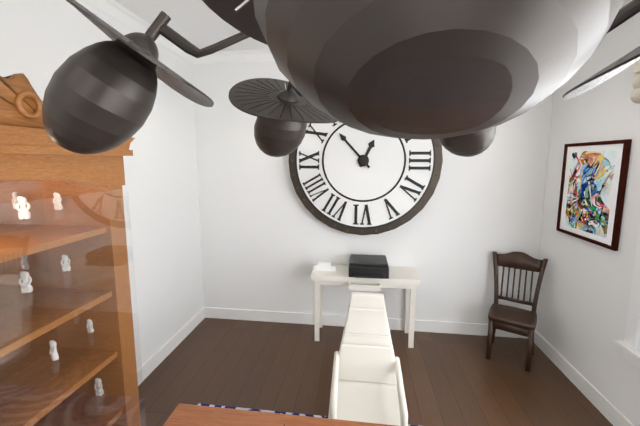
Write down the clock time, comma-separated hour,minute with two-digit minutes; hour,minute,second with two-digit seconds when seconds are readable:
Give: 12,53
